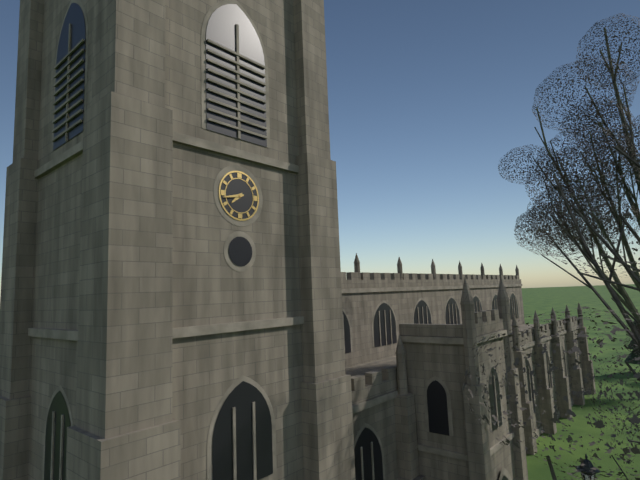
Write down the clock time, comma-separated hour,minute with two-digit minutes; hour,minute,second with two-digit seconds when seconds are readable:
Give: 7,43
